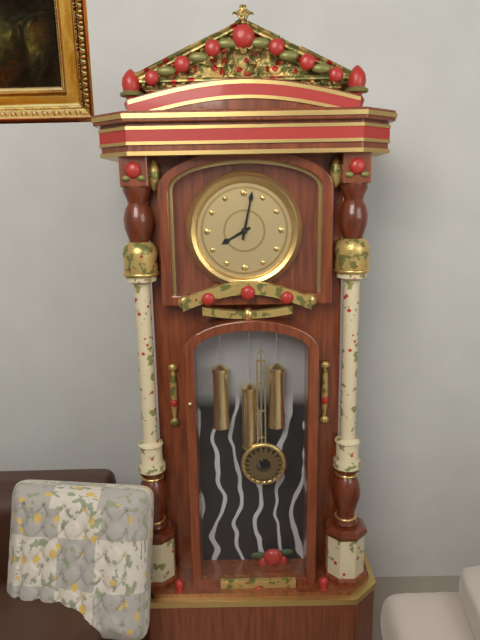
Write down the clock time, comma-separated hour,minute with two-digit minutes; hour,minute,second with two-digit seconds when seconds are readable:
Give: 8,02
